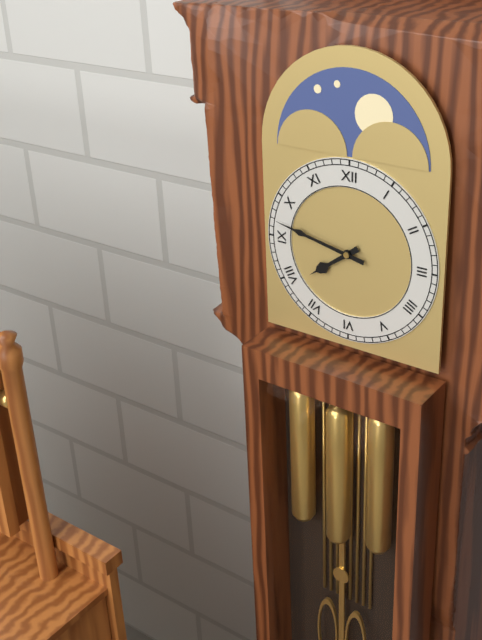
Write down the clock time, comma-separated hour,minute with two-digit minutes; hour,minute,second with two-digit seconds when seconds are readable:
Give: 7,47
